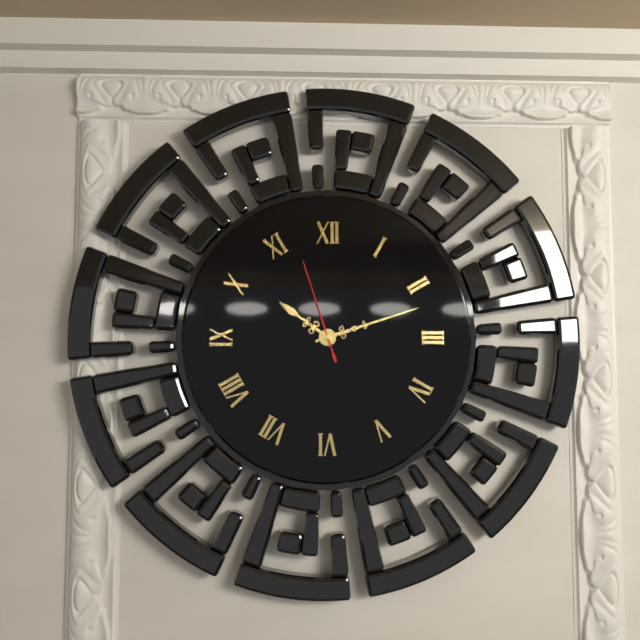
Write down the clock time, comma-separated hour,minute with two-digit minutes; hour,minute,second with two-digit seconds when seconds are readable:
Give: 10,12,57
